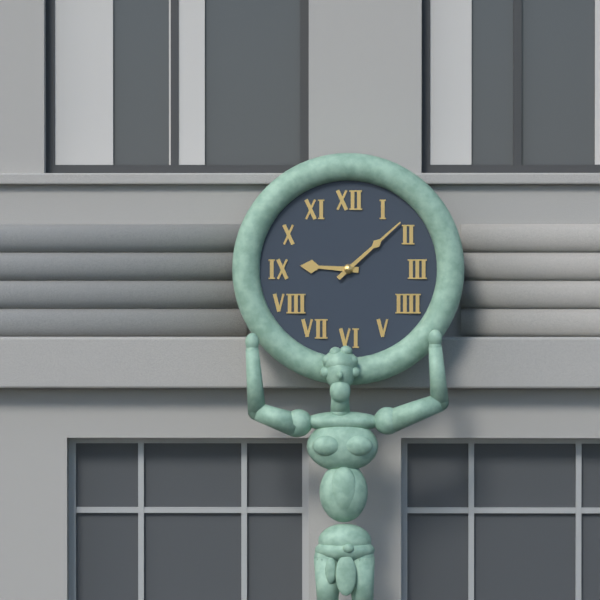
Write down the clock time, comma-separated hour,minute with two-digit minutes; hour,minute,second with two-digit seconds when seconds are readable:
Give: 9,08
